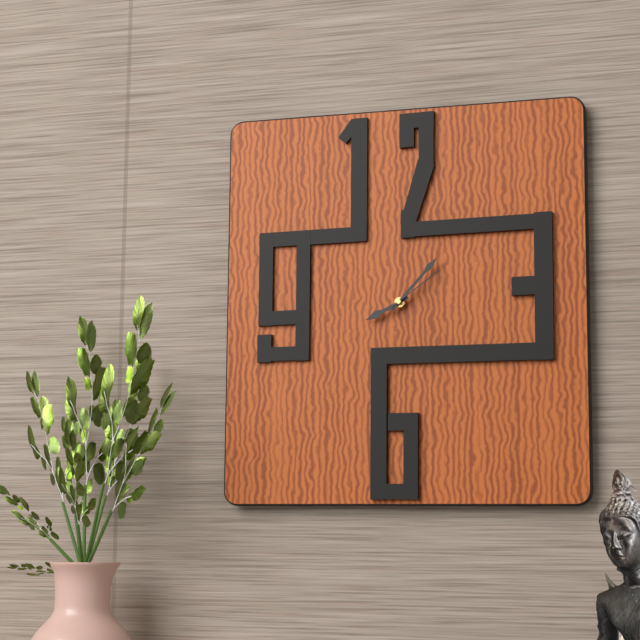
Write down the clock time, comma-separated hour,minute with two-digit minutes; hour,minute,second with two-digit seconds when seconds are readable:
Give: 8,07,09
